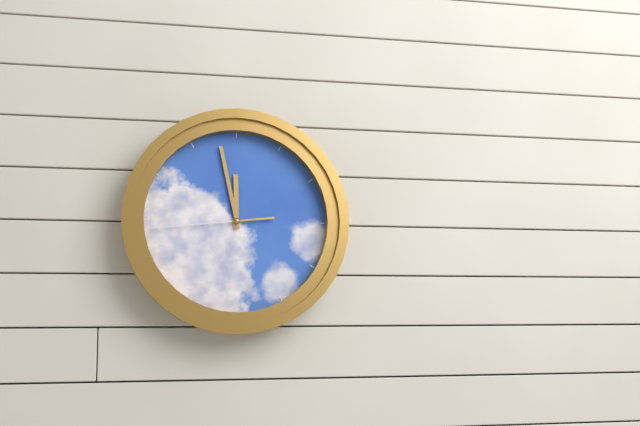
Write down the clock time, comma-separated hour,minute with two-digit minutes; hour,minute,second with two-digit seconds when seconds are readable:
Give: 11,58,44
